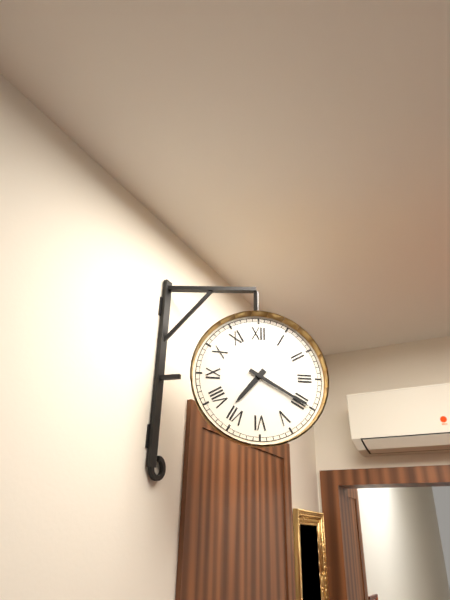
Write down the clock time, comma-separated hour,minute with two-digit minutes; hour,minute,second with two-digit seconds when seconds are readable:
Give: 7,20
